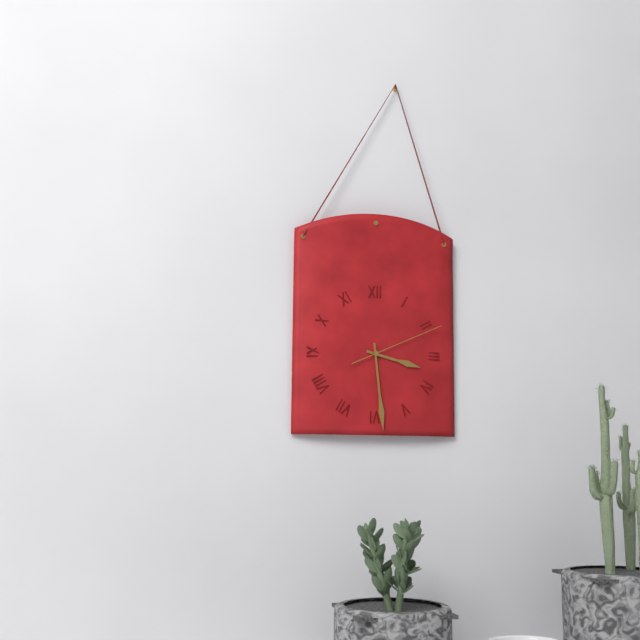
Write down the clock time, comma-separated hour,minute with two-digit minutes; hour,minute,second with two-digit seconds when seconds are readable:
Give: 3,29,11
